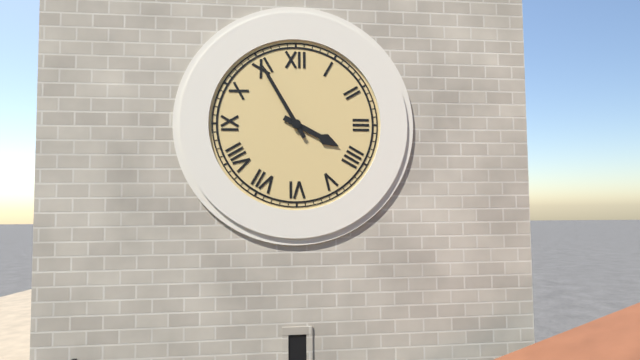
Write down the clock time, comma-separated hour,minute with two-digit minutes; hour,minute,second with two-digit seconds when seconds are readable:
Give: 3,55
